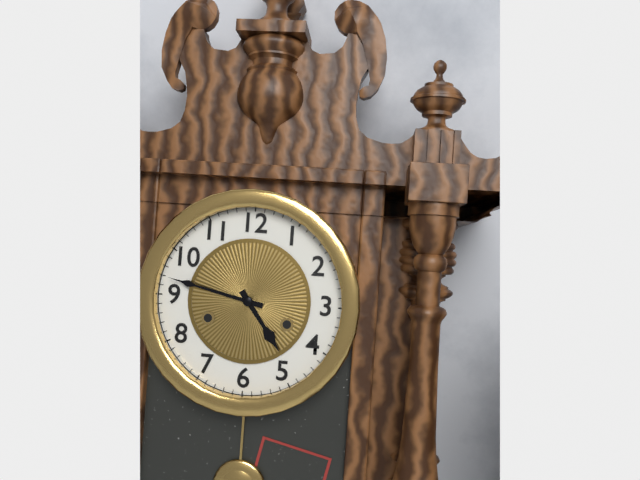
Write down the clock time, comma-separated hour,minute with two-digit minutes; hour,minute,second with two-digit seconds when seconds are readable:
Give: 4,47
